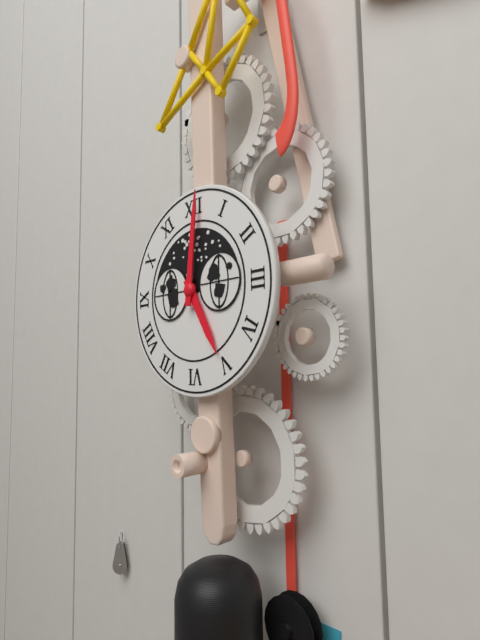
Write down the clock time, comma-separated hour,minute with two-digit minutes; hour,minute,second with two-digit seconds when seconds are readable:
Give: 5,01
